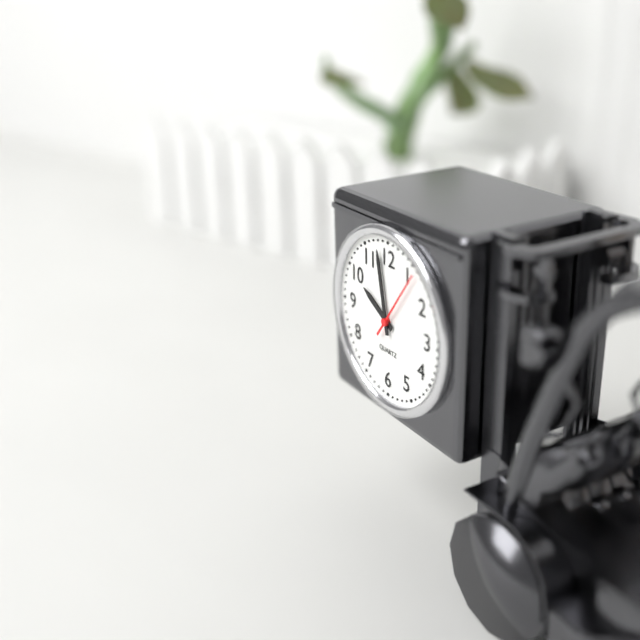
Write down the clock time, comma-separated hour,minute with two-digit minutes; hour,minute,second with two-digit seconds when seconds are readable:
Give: 9,58,06
